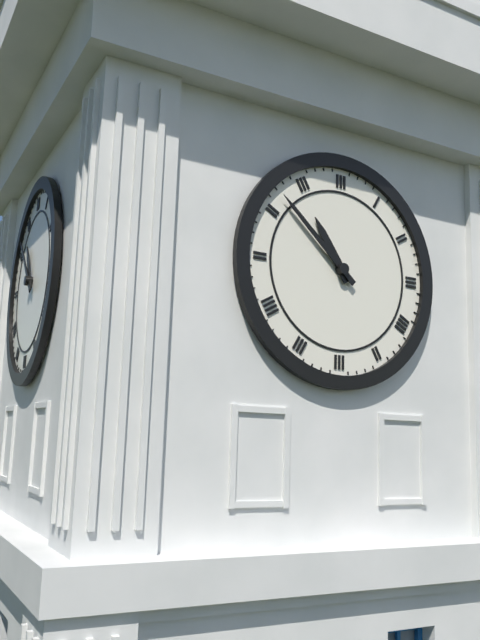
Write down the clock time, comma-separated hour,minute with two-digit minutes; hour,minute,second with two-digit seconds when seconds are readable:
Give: 10,52
